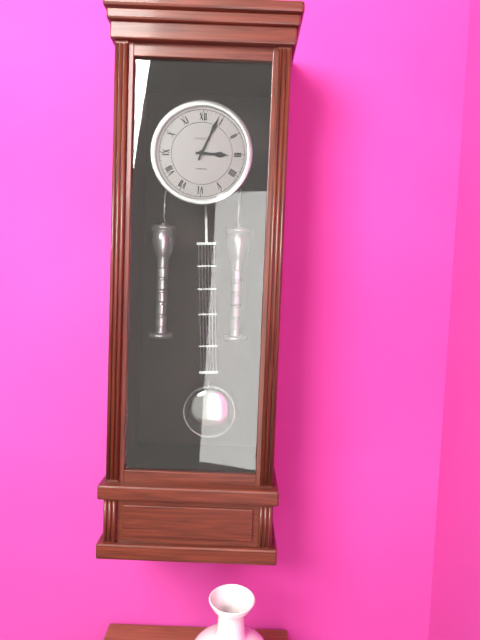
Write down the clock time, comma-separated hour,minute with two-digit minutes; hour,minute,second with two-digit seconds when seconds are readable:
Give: 3,04
